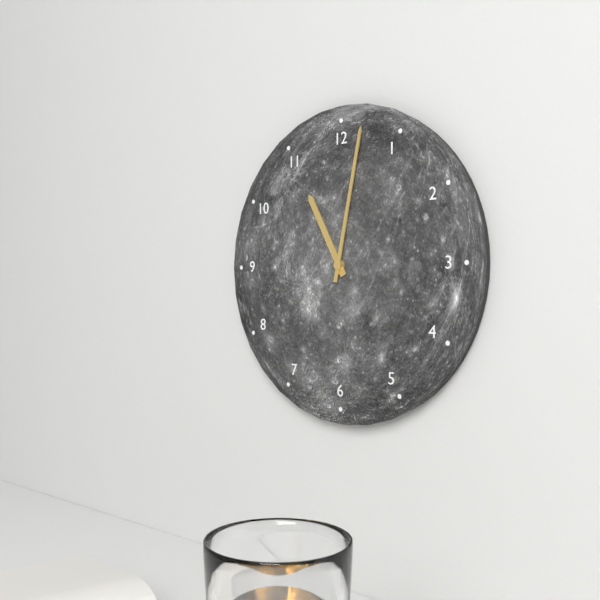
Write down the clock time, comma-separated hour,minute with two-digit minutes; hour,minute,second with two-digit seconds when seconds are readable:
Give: 11,02
